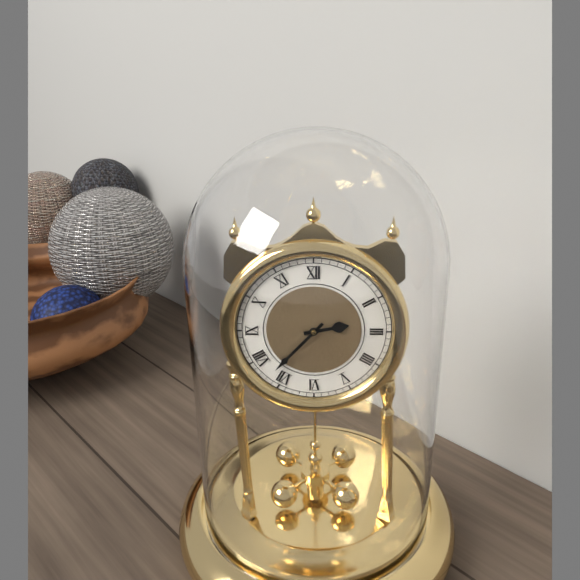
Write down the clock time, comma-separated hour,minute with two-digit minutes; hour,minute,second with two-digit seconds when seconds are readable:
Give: 2,37
